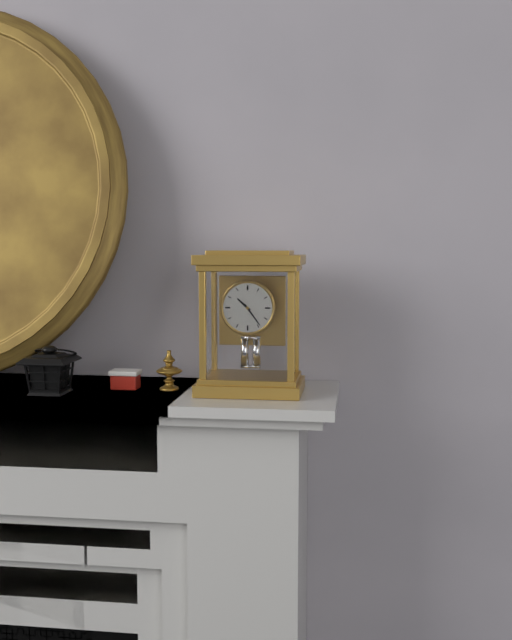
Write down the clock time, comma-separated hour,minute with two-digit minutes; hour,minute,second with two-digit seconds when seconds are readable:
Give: 10,24
